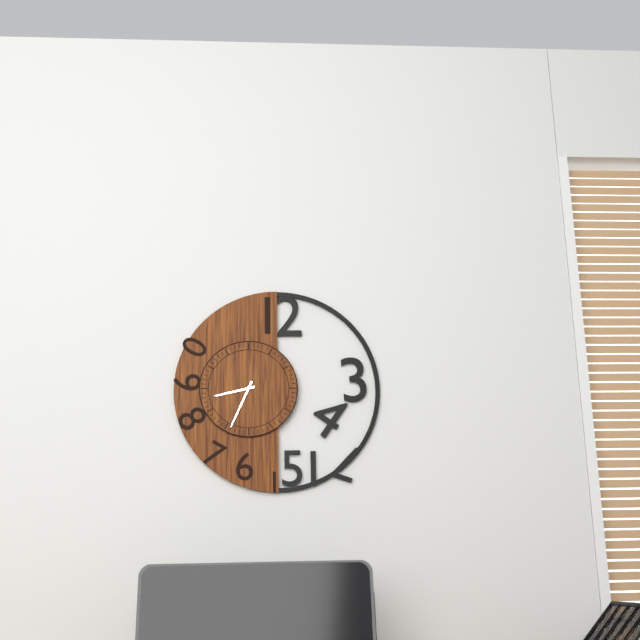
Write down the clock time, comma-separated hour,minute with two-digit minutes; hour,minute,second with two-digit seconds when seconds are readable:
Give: 8,34
